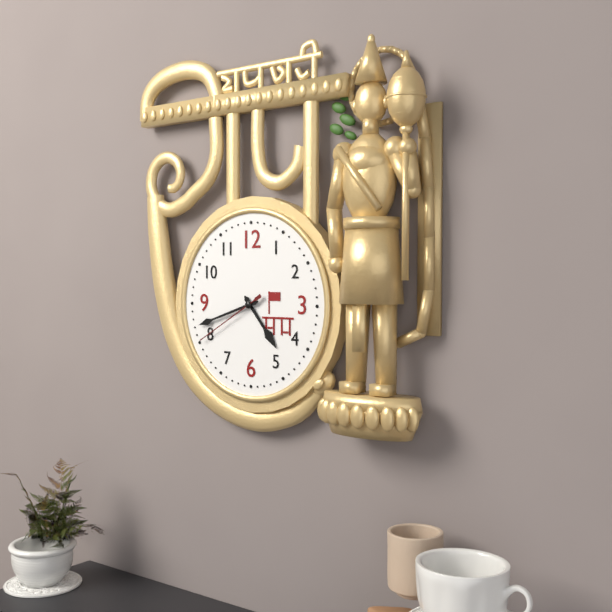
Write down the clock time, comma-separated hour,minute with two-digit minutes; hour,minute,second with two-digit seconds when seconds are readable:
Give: 4,42,40
